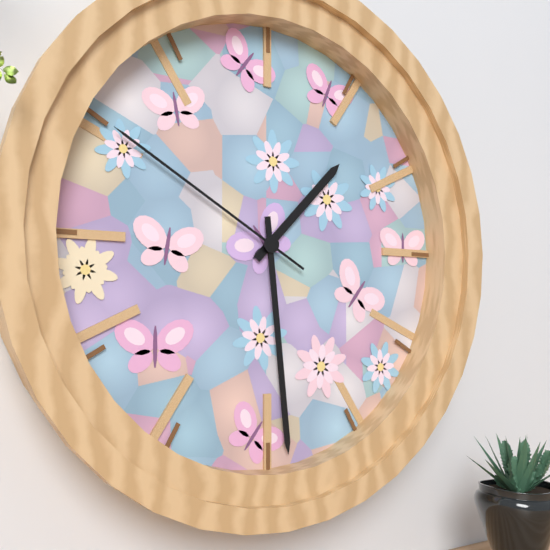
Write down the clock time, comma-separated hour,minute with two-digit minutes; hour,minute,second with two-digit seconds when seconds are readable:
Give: 1,29,50
